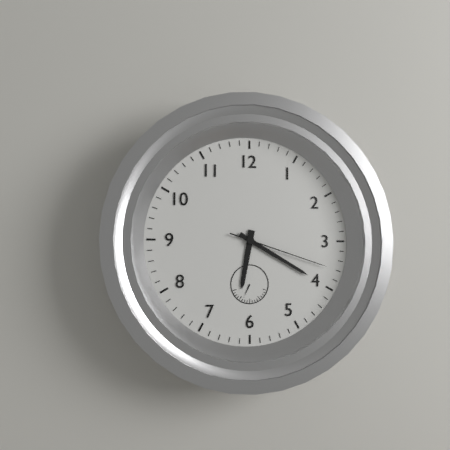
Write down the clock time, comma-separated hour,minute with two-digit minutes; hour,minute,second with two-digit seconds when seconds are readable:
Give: 6,20,18
